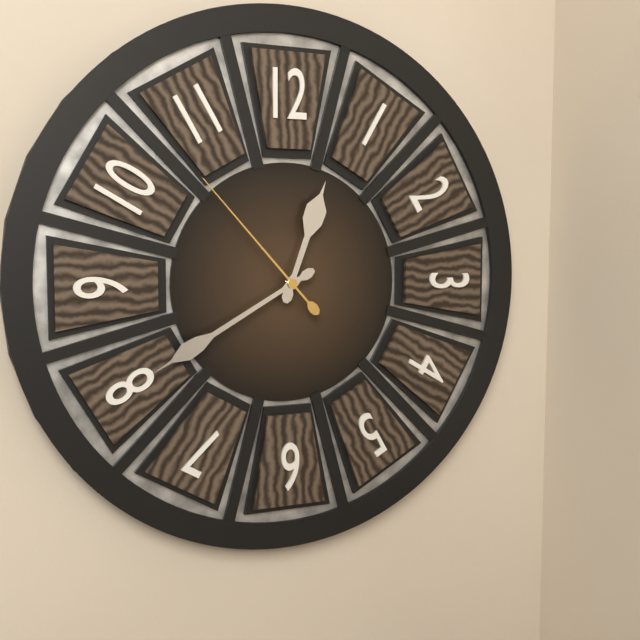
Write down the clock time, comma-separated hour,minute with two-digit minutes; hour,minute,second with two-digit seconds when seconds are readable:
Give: 12,40,53
